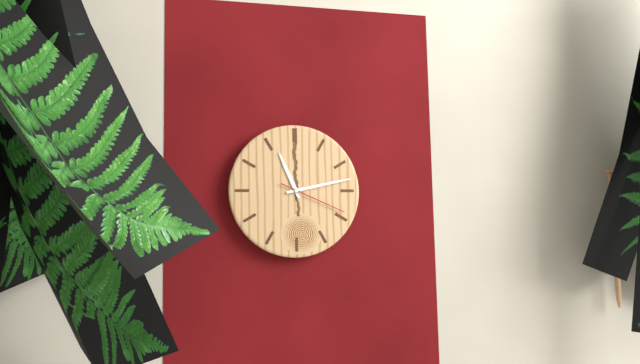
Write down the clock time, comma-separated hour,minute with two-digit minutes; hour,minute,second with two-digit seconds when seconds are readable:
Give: 11,13,19
